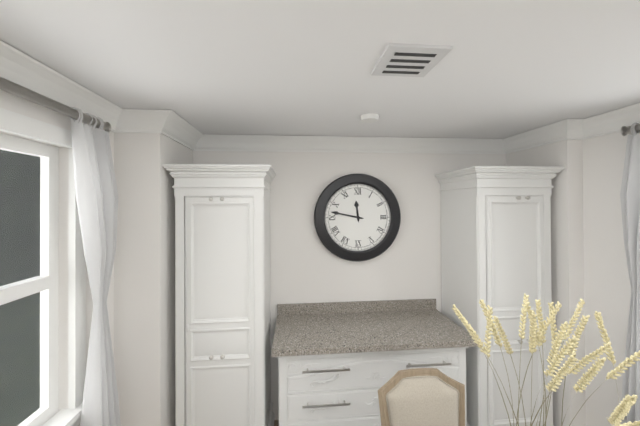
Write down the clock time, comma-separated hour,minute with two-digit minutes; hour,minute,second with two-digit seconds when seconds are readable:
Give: 11,47
